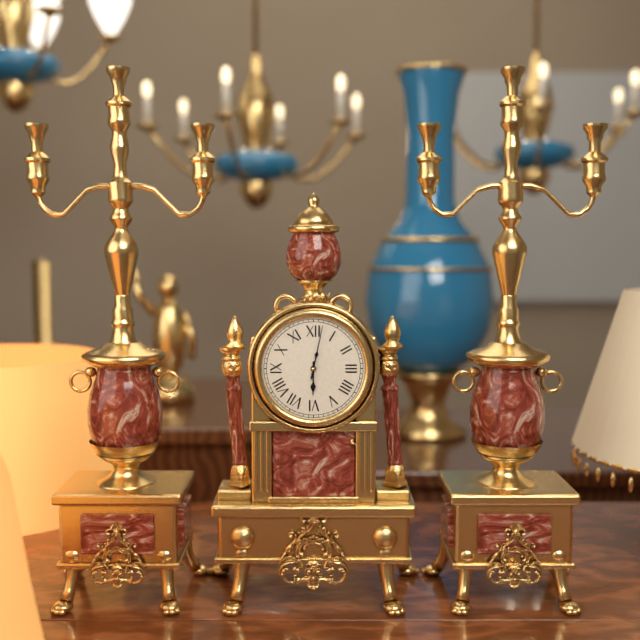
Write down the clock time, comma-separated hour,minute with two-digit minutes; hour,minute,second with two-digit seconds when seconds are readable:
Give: 6,02
